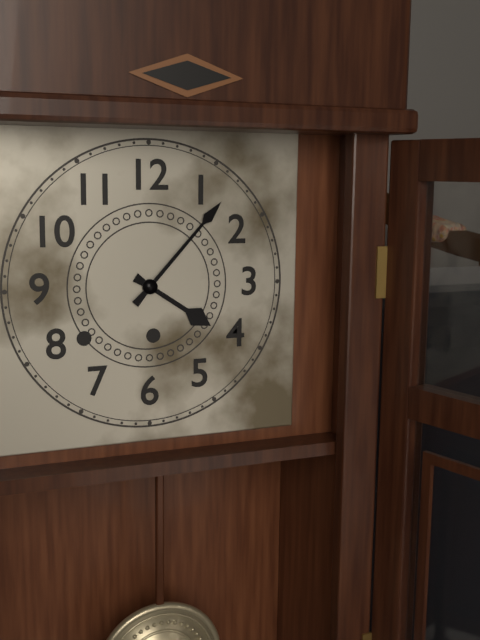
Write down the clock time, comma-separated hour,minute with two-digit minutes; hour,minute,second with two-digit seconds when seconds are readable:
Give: 4,07
